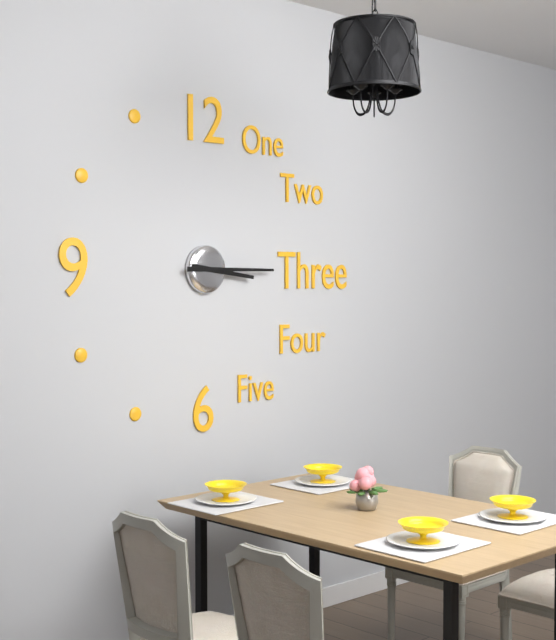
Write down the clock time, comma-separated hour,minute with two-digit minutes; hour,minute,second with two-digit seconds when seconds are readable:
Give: 3,15
